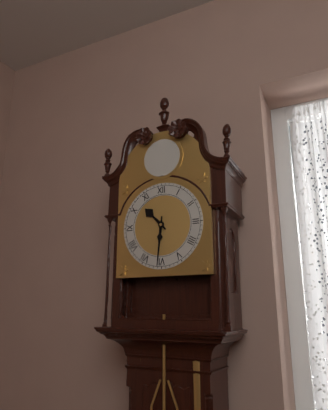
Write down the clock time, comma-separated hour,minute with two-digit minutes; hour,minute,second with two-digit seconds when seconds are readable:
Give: 10,31
